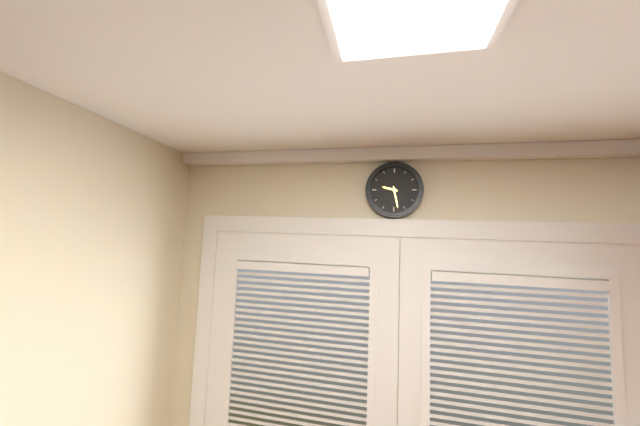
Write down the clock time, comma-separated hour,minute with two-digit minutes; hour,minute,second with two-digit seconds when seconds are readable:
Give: 9,28
